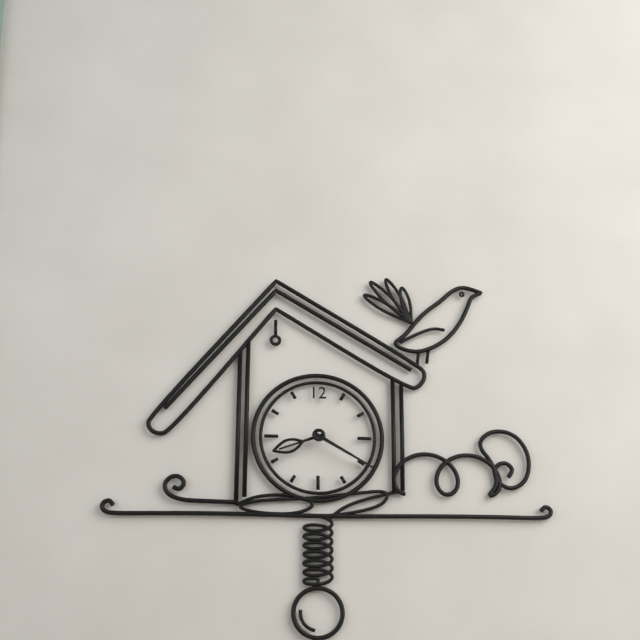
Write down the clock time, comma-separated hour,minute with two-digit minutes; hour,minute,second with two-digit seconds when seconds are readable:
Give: 8,20
